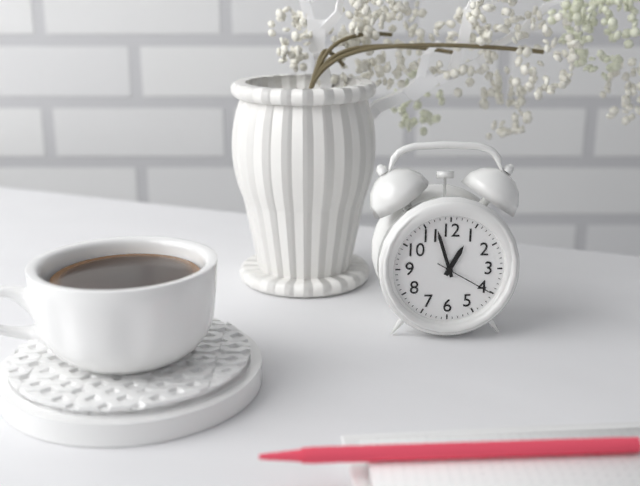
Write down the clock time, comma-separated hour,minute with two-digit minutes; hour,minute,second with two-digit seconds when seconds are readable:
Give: 12,57,20
